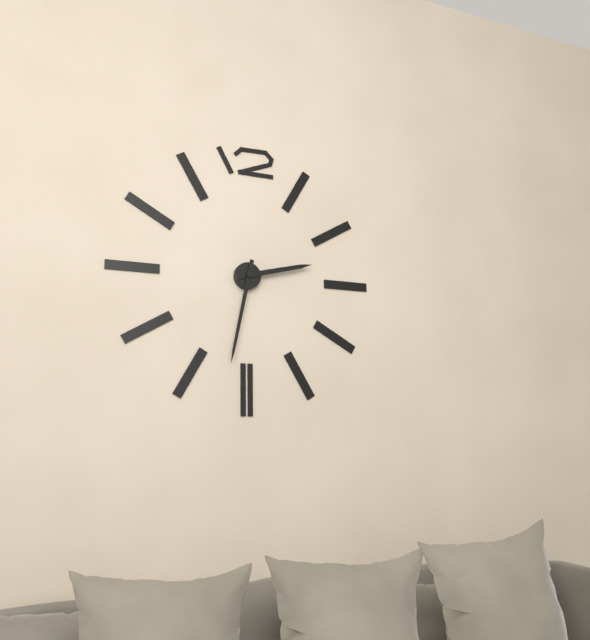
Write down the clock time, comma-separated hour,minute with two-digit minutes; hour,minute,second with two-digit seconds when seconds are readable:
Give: 2,32
